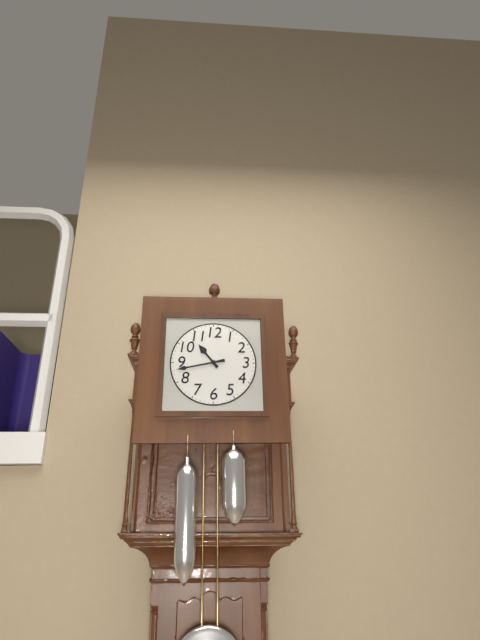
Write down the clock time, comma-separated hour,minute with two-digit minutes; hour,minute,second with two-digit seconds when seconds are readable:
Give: 10,43
